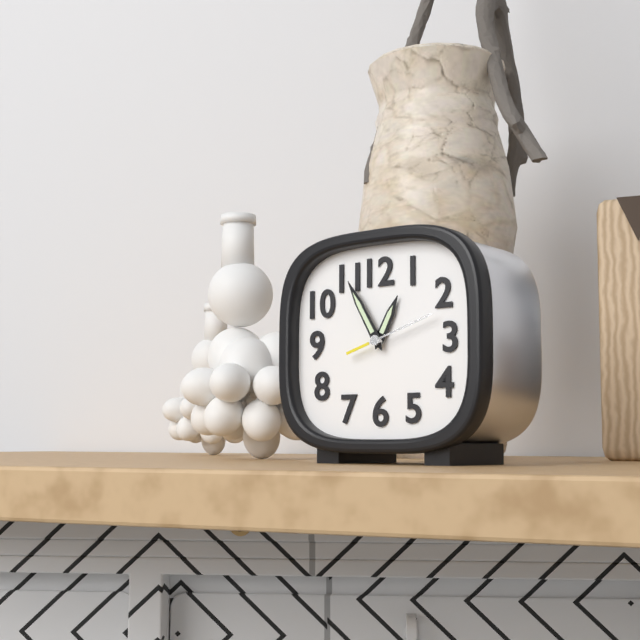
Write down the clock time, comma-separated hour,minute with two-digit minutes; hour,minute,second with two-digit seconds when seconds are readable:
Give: 12,55,12
